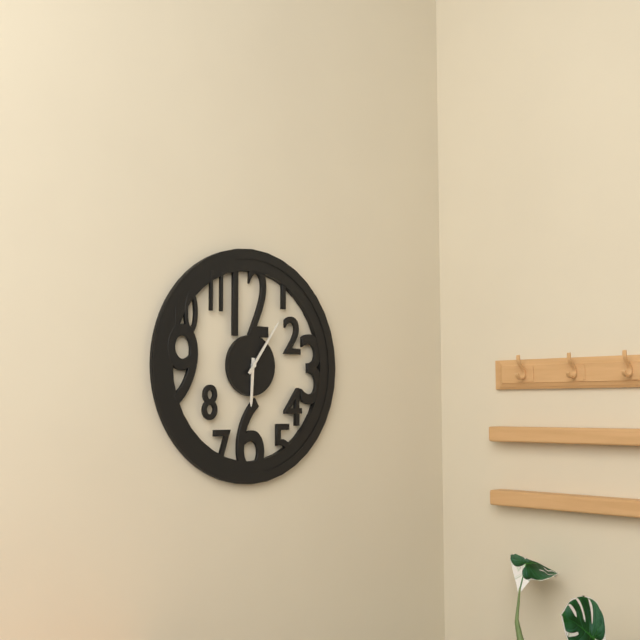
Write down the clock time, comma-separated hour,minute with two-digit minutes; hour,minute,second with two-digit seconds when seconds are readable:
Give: 6,06
